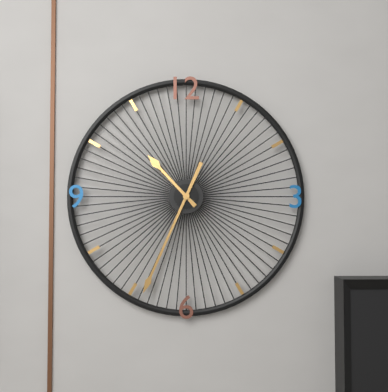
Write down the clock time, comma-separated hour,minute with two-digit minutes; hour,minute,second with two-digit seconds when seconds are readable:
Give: 10,34
